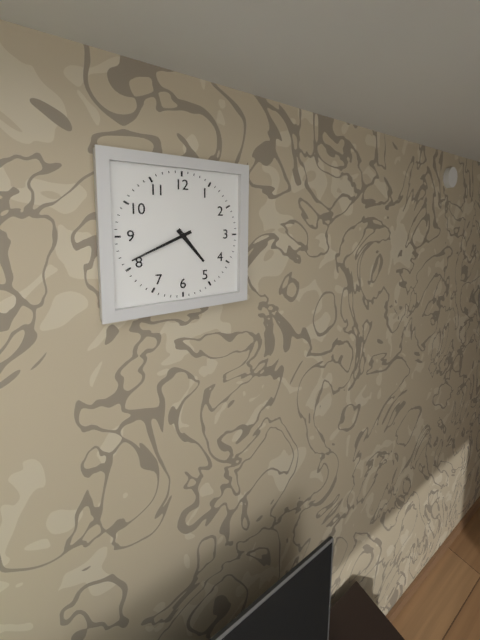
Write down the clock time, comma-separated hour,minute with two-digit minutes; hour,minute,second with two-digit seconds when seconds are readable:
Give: 4,41
